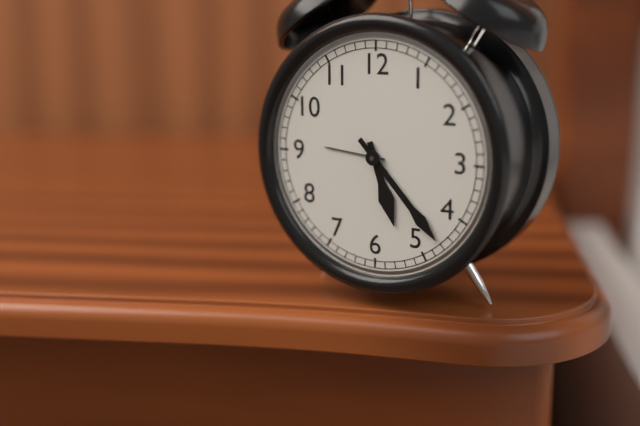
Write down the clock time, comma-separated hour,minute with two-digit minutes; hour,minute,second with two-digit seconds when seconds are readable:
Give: 5,23
